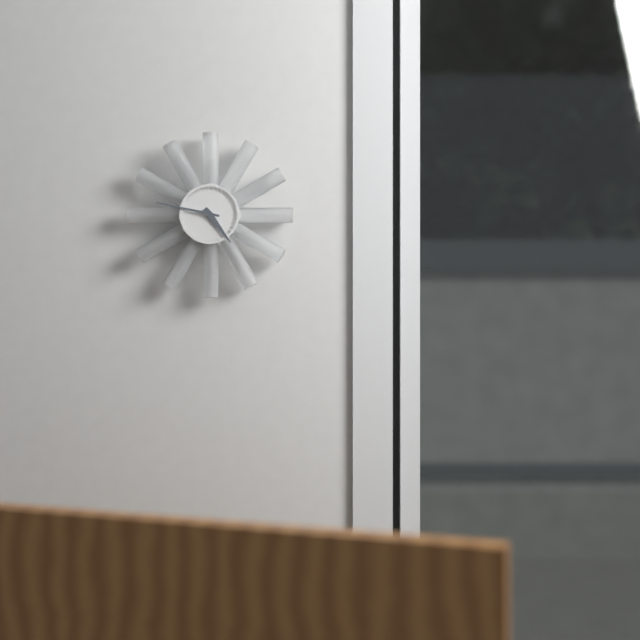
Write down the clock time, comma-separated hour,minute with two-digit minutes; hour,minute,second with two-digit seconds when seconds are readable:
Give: 4,47
